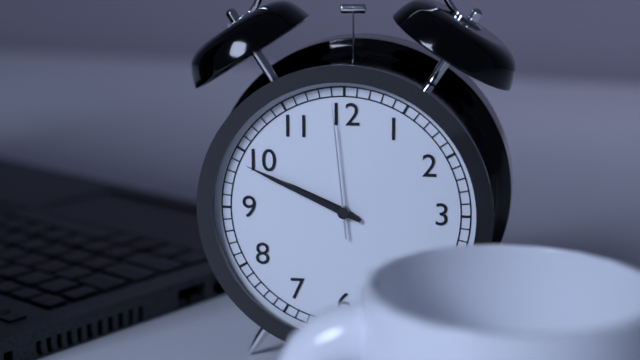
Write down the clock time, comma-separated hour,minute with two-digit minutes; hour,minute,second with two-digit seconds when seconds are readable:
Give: 9,49,59
